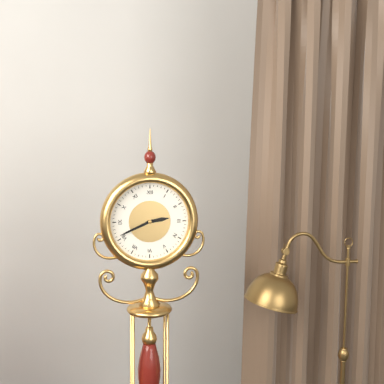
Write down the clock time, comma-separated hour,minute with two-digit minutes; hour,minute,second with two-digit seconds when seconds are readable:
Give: 2,41
